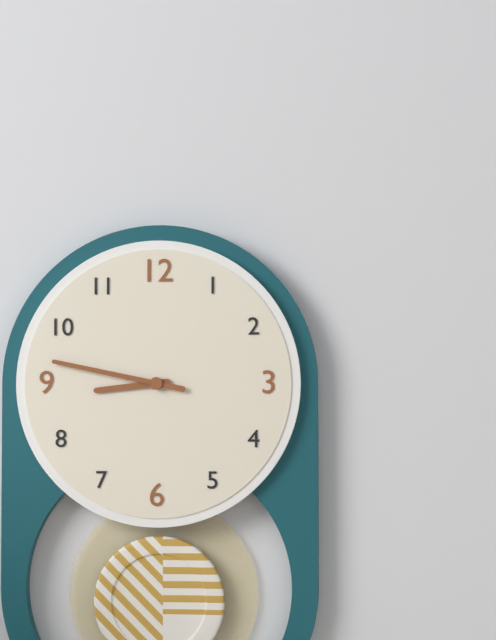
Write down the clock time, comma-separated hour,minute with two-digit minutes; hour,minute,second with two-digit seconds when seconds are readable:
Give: 8,47
